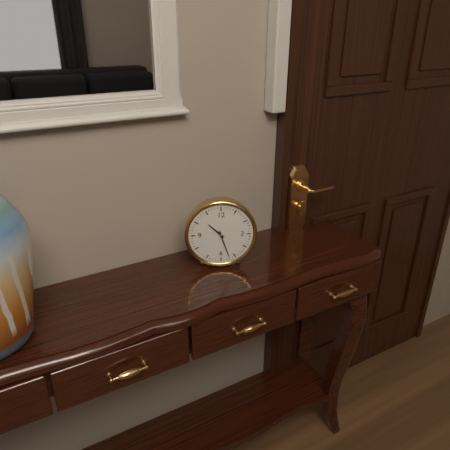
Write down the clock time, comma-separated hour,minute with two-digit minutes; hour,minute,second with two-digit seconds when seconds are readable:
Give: 10,27
